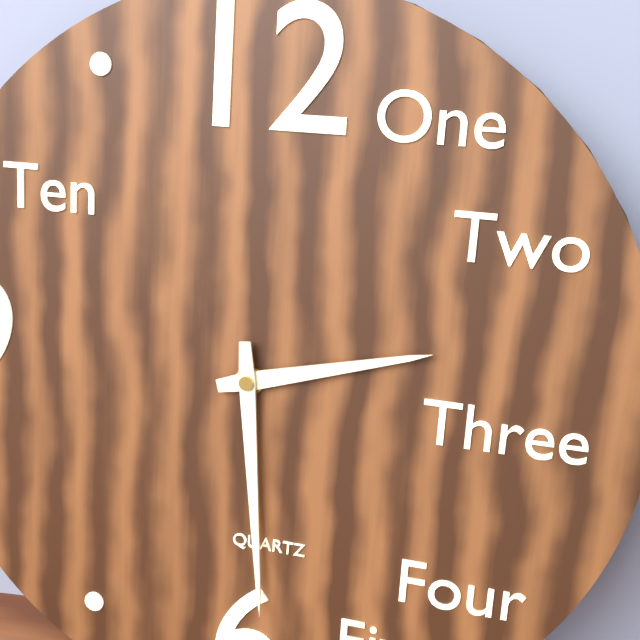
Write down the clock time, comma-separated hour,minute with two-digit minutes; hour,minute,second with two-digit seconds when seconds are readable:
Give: 2,29
